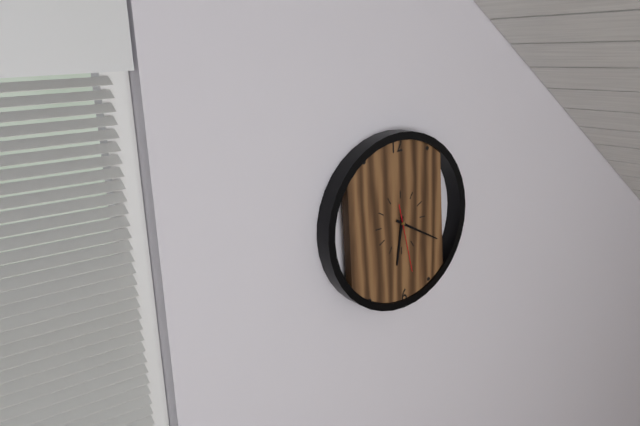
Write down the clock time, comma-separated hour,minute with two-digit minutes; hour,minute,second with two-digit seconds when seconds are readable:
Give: 6,20,28
